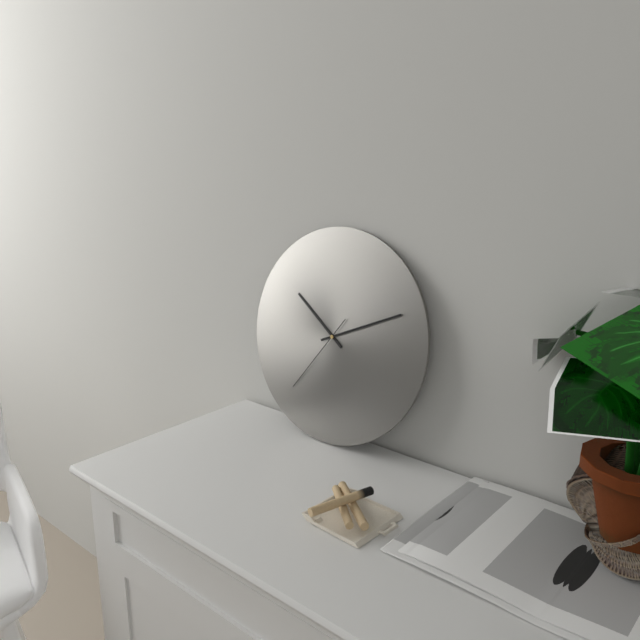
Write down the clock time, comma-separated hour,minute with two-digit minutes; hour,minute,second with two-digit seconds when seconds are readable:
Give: 10,11,36
